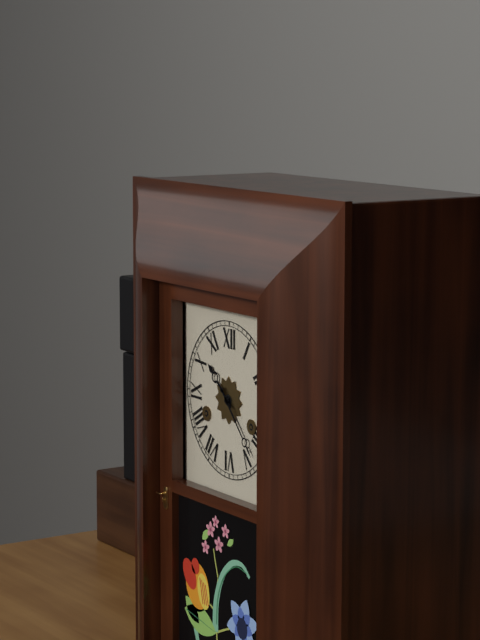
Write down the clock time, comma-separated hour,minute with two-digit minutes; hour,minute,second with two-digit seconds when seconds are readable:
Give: 10,23
